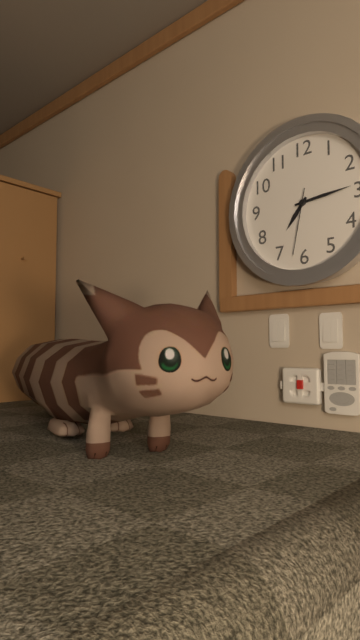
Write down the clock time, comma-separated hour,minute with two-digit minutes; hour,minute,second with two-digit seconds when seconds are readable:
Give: 7,14,32
